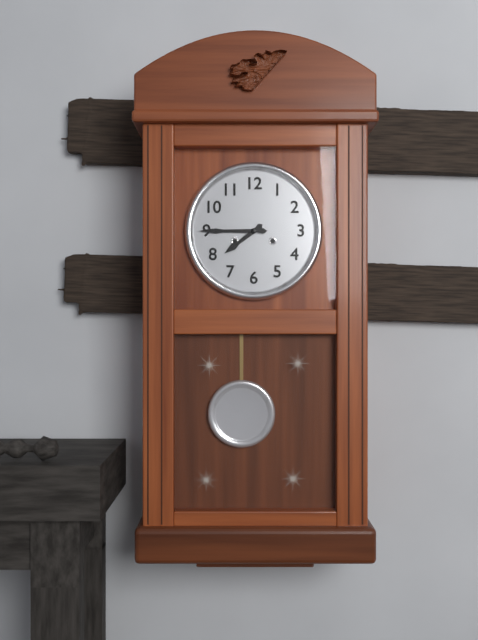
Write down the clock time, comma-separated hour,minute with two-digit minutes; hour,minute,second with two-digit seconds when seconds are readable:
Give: 7,45
